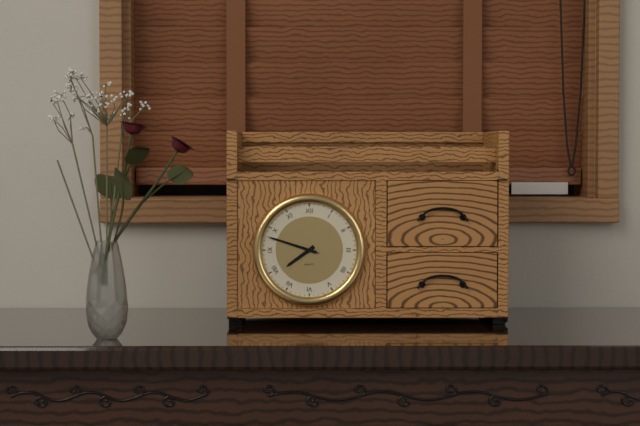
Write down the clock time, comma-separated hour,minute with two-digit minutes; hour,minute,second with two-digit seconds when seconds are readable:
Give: 7,48,48
